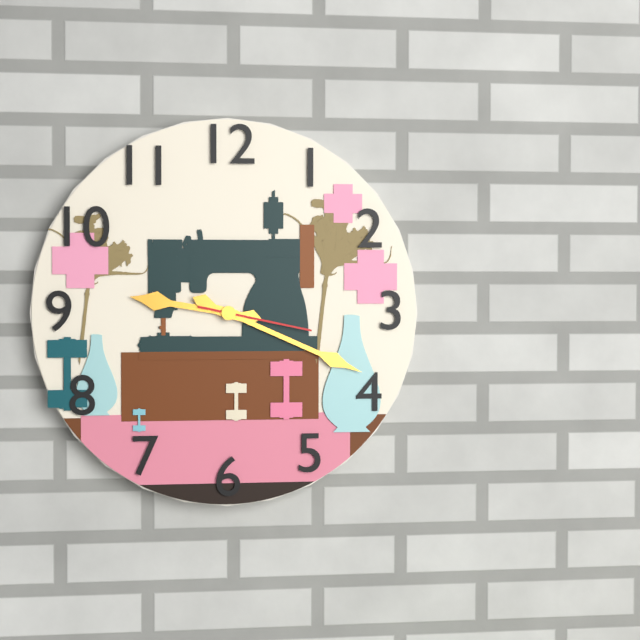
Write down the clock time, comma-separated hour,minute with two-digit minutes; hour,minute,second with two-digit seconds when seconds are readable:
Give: 9,19,17
